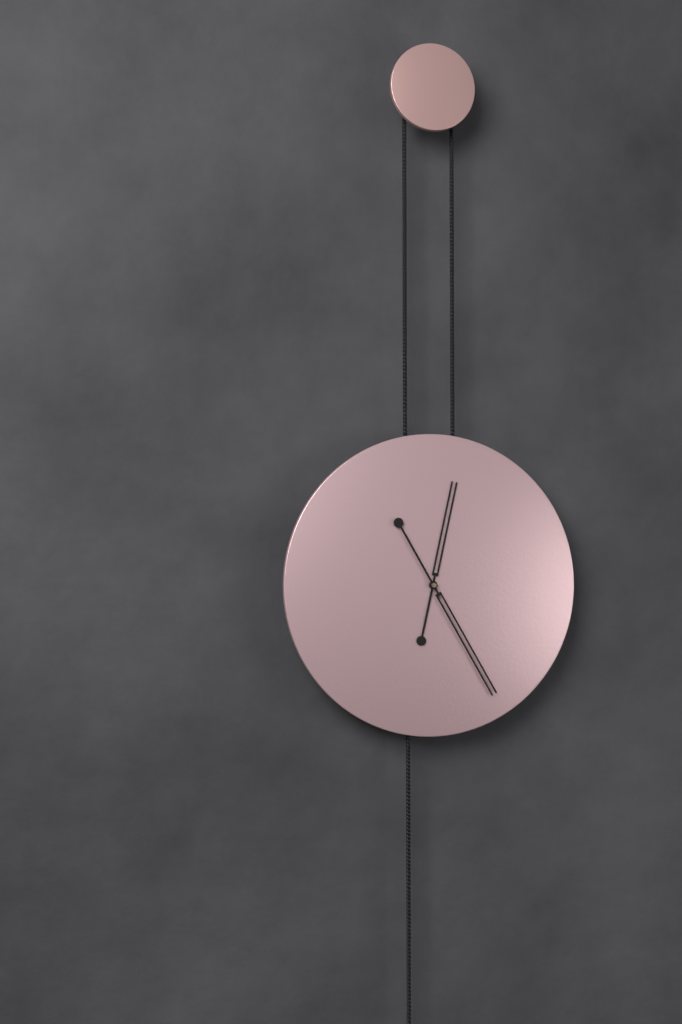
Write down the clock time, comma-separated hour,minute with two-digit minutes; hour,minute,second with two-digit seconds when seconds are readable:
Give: 12,25
